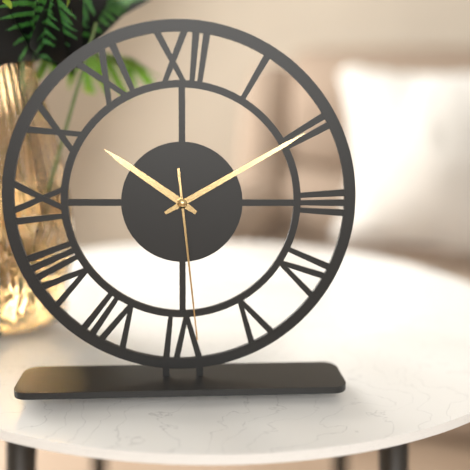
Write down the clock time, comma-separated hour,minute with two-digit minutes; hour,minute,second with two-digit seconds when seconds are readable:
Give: 10,10,29
